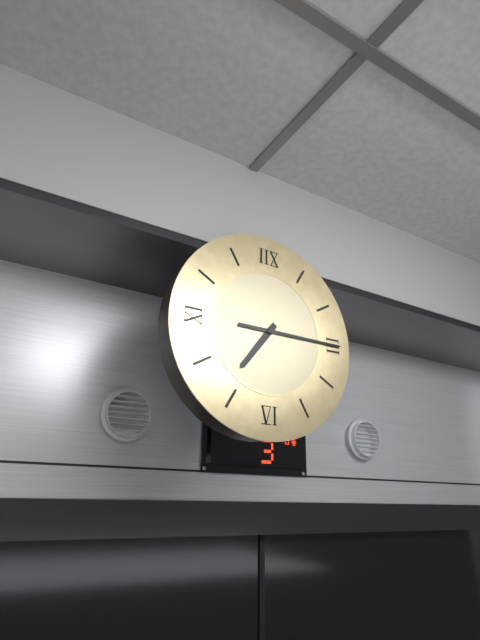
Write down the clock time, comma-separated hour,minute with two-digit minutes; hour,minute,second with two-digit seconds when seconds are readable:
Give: 7,15
